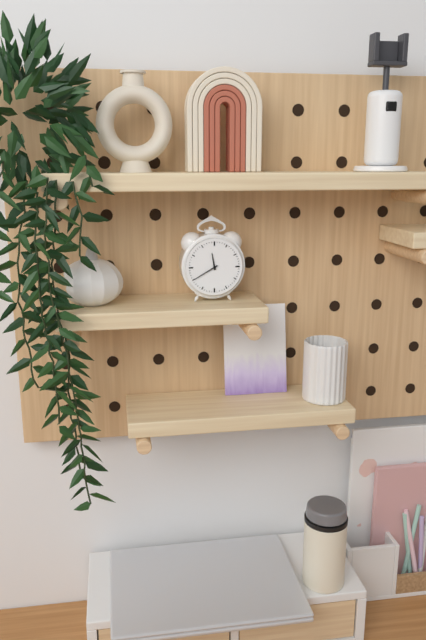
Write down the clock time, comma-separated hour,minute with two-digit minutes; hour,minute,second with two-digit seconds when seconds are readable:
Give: 11,40
